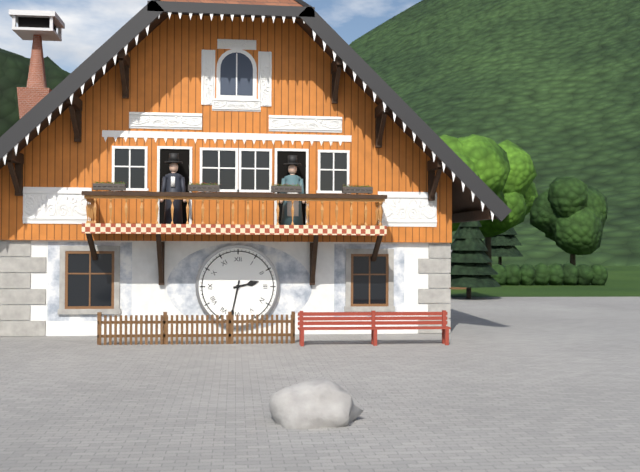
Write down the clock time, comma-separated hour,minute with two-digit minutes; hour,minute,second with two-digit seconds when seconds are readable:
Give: 2,32
